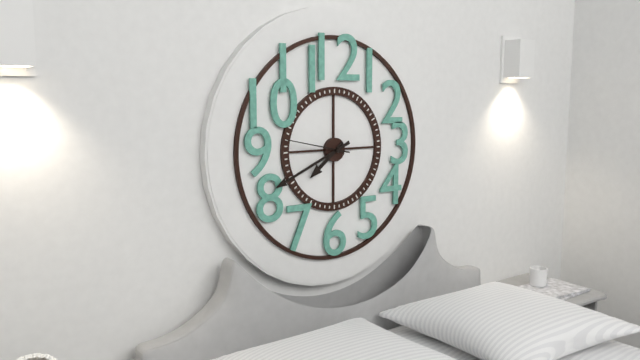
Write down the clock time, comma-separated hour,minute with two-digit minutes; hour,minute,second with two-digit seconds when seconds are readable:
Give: 7,41,47
